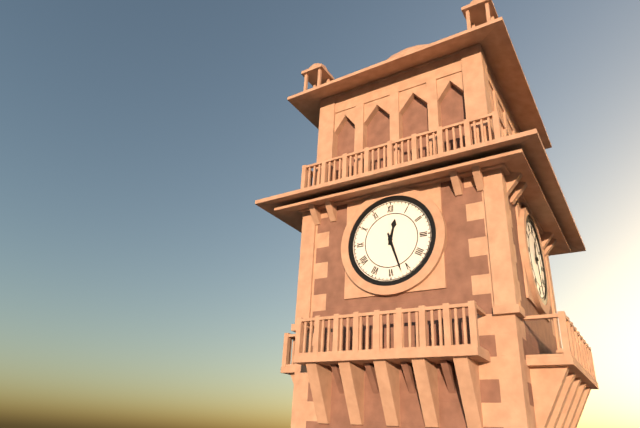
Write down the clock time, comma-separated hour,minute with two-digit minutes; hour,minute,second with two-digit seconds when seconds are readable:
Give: 12,27
